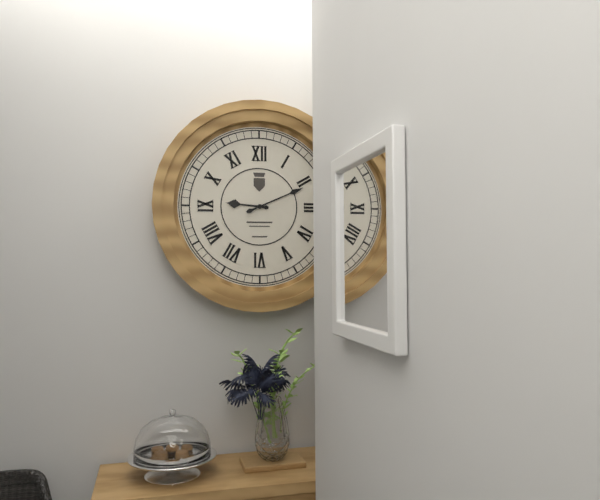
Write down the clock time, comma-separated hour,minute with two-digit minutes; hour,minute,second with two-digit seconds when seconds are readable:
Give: 9,11
